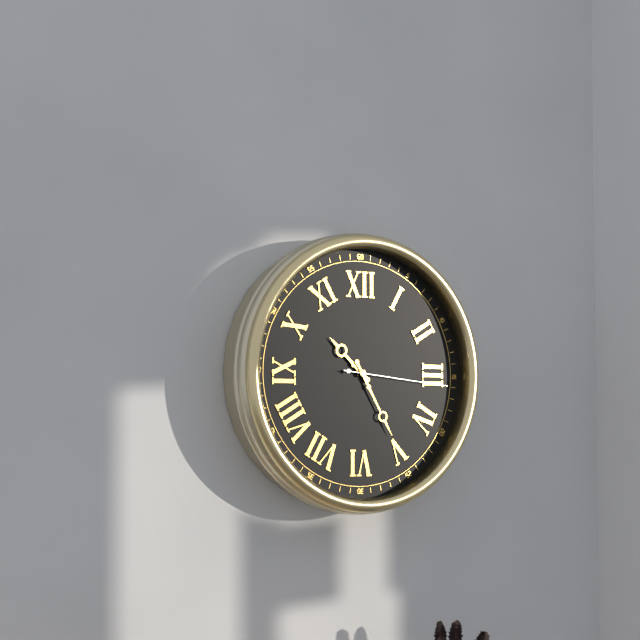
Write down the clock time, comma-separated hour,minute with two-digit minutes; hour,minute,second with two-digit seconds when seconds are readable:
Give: 10,25,16
